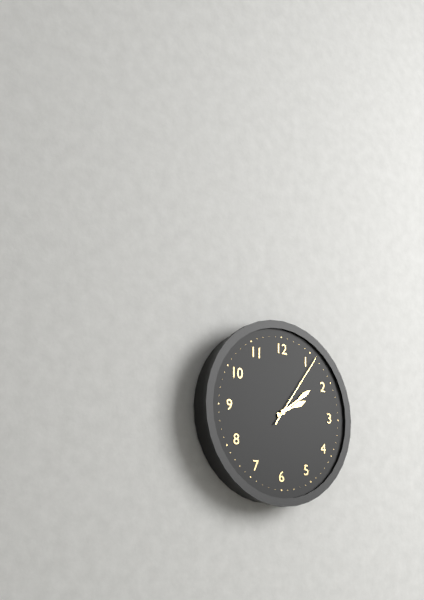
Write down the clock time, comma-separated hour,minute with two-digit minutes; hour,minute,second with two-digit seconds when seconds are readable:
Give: 2,09,06
